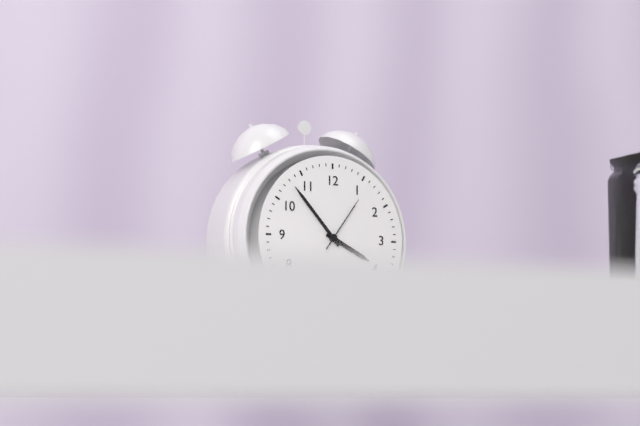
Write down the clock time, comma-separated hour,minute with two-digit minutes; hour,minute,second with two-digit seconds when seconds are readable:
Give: 3,53,06
